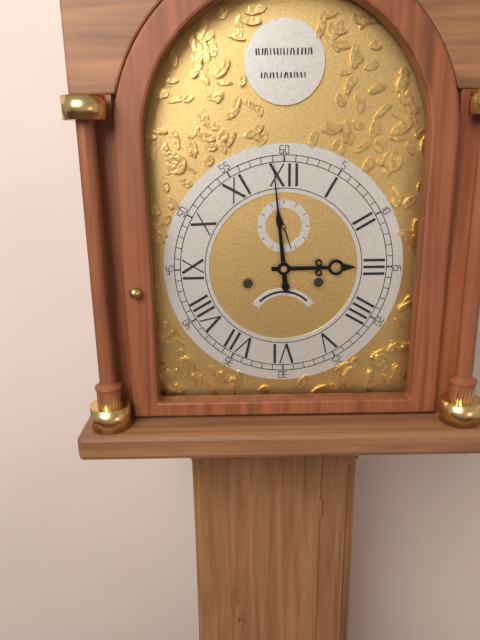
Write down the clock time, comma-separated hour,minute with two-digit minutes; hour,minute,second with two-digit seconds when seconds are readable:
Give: 2,59
